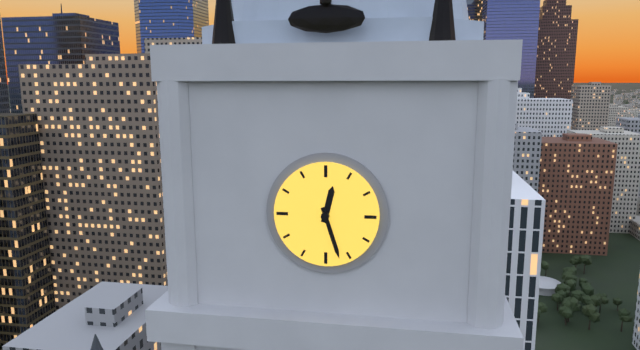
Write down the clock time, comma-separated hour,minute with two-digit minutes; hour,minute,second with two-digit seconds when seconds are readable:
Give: 12,27
